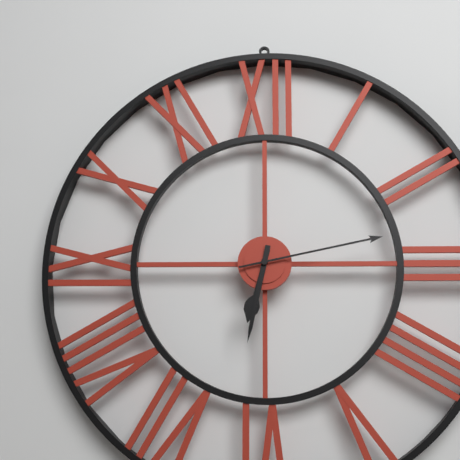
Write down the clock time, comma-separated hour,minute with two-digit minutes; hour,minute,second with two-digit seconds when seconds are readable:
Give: 6,32,13
